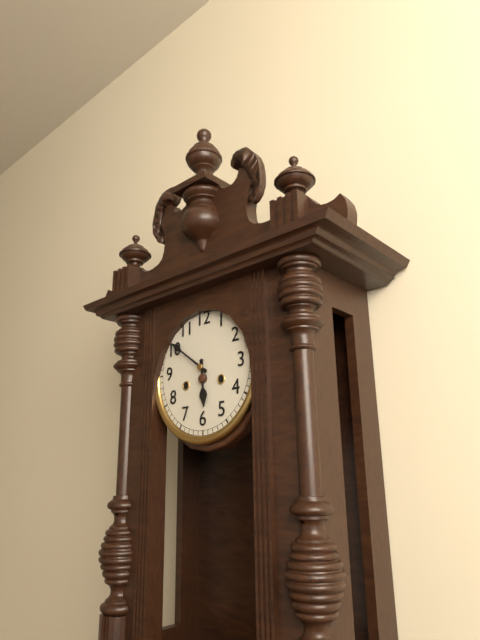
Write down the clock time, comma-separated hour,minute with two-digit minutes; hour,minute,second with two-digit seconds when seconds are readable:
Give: 5,51
